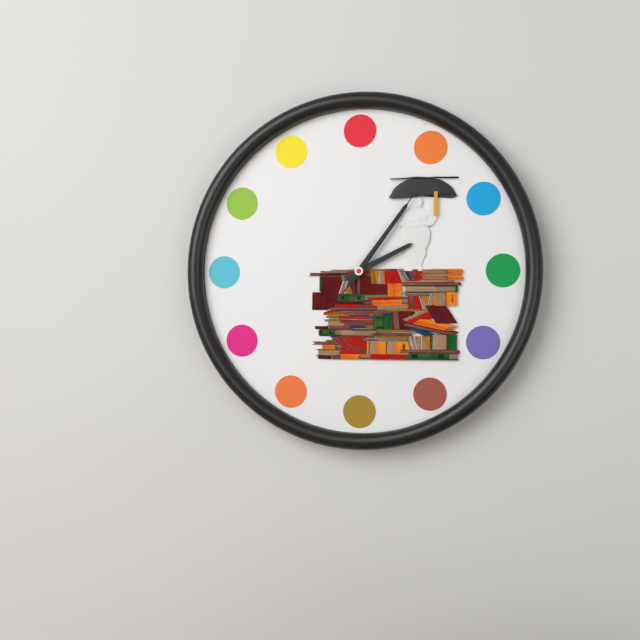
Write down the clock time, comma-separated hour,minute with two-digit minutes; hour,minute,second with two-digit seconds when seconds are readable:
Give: 2,06,06
